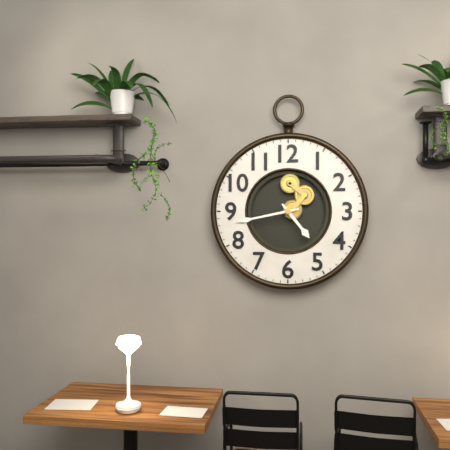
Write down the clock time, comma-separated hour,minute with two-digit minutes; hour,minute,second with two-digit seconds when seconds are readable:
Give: 4,43
